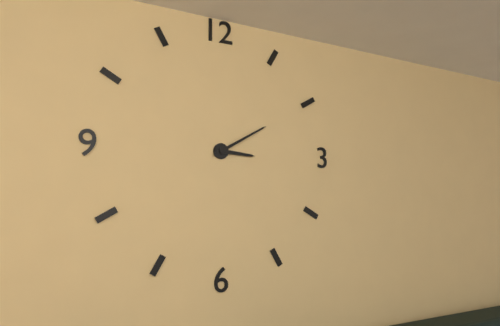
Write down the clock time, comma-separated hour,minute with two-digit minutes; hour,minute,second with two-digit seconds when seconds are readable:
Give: 3,10
